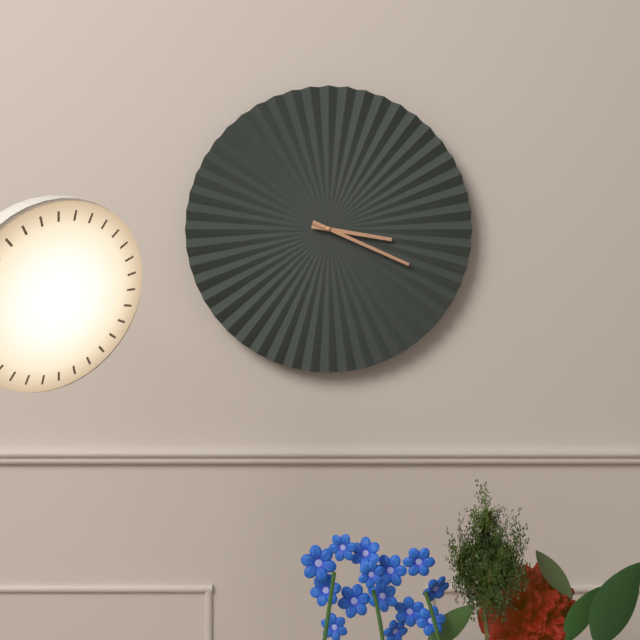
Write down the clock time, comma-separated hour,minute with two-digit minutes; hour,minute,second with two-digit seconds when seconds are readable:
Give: 3,19
